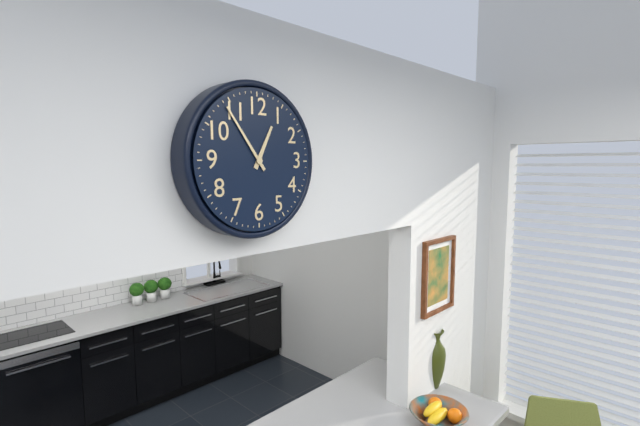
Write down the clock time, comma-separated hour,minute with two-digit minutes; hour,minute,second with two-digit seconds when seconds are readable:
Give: 12,54
